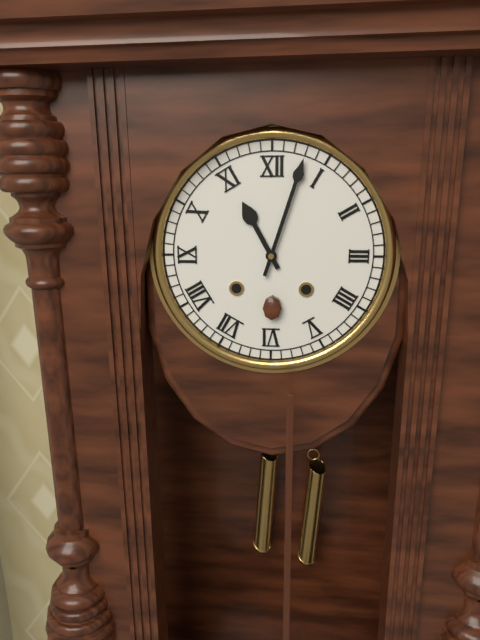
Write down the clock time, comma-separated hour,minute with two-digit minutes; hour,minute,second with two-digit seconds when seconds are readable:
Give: 11,03
